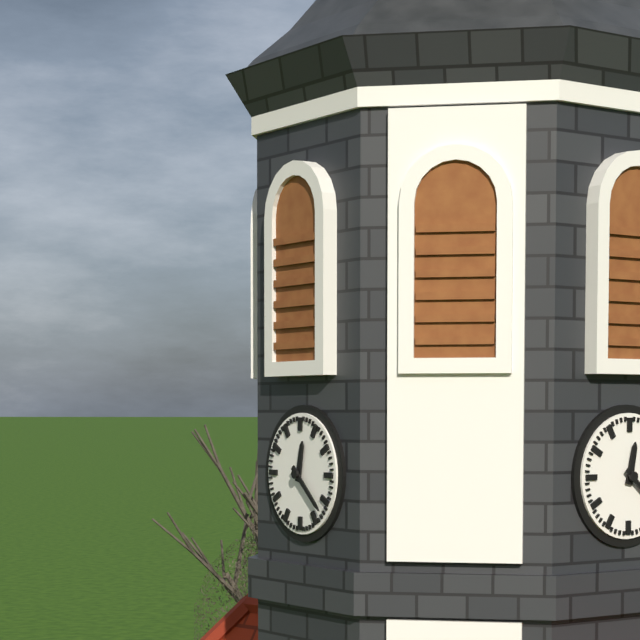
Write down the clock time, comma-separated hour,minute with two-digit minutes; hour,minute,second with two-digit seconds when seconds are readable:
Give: 12,22
